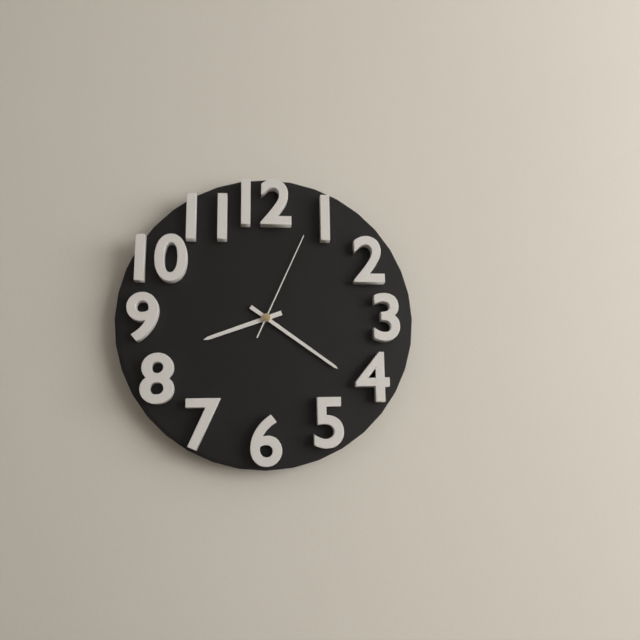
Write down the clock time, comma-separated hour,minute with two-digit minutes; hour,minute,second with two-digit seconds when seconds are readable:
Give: 8,21,04
